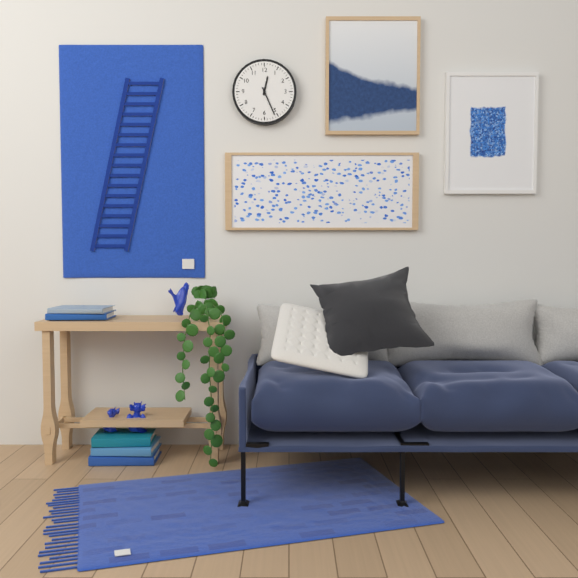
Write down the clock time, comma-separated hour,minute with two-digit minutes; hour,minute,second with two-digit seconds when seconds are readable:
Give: 12,26
